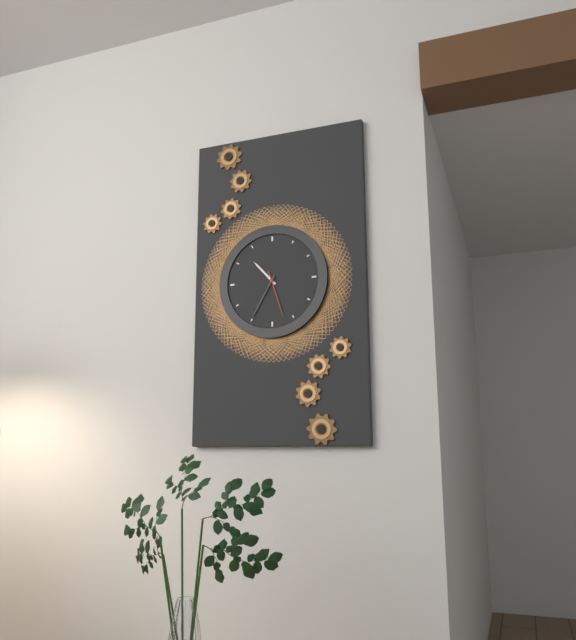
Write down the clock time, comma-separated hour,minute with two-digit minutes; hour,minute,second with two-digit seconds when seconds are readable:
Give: 10,35
